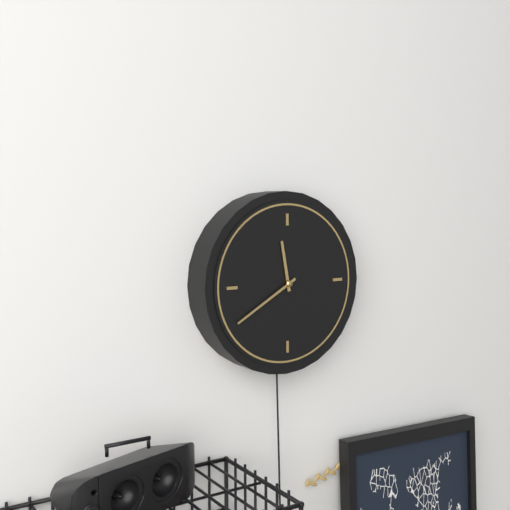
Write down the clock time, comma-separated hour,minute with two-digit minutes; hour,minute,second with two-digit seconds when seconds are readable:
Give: 11,40
